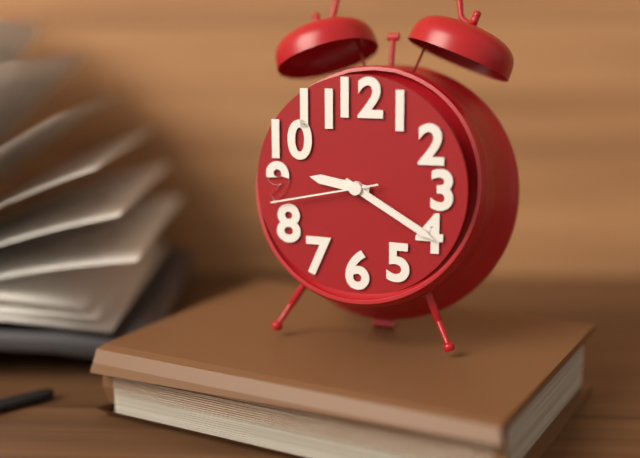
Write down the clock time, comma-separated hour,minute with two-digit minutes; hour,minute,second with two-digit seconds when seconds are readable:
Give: 9,20,43
